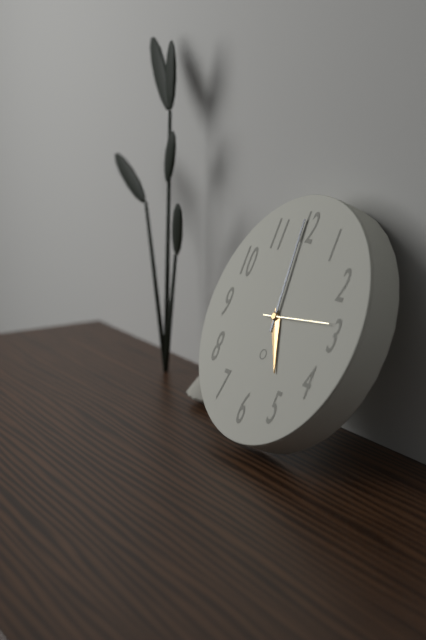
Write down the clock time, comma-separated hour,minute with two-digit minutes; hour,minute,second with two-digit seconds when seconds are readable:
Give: 4,59
